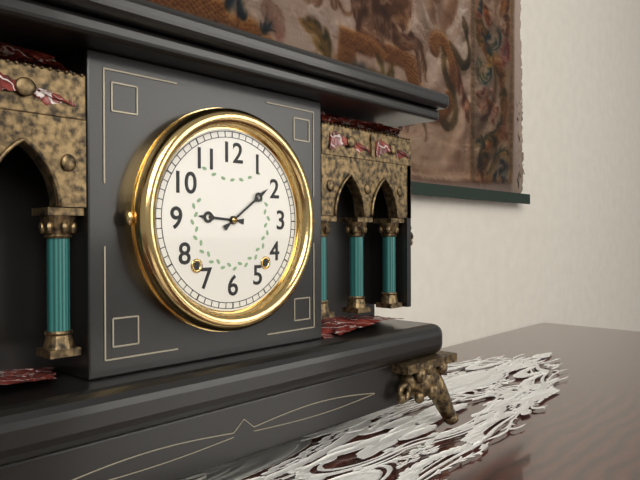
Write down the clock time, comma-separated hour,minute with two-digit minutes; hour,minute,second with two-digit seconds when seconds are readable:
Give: 9,09
